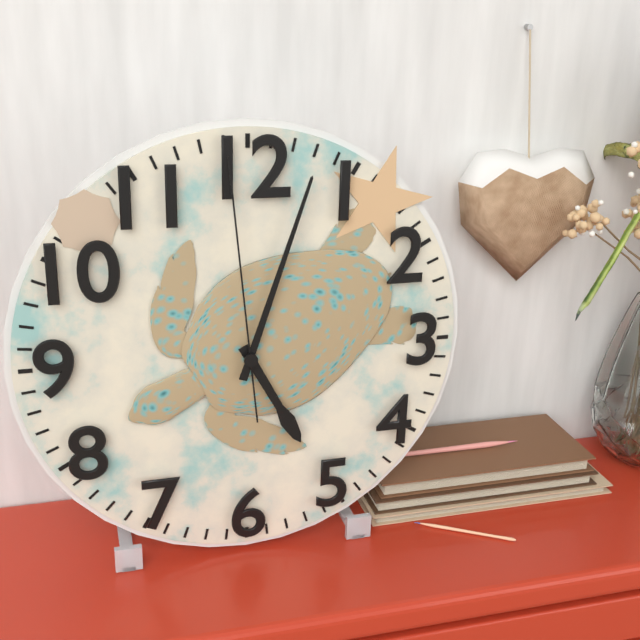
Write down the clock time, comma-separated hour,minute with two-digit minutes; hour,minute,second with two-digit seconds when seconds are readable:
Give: 5,03,59
